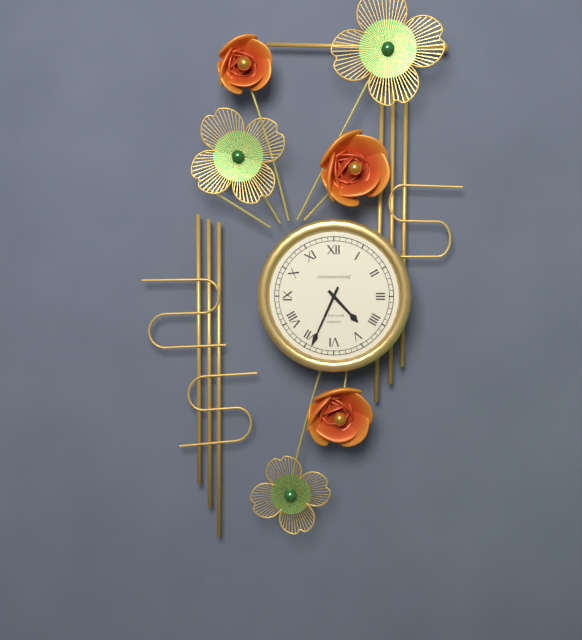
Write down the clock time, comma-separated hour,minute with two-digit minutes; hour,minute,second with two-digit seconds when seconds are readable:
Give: 4,34
